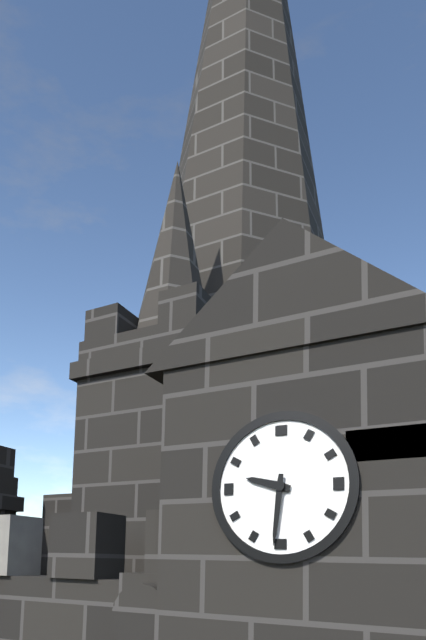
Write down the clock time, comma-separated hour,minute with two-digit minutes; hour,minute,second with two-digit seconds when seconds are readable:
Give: 9,31
